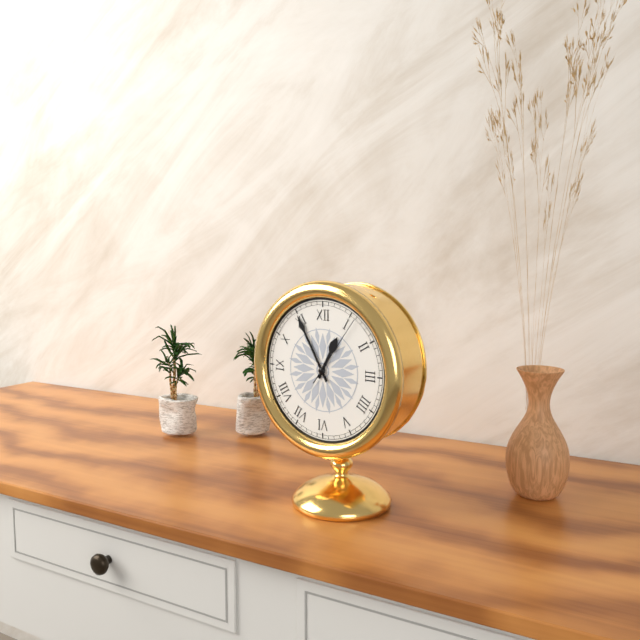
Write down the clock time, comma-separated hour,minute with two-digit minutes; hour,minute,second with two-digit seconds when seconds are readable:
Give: 12,55,06
